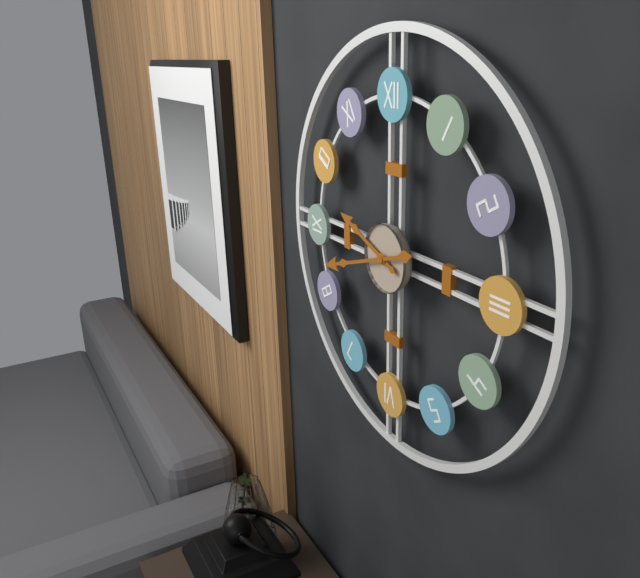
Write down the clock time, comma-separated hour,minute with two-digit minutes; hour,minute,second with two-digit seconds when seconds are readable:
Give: 9,42
